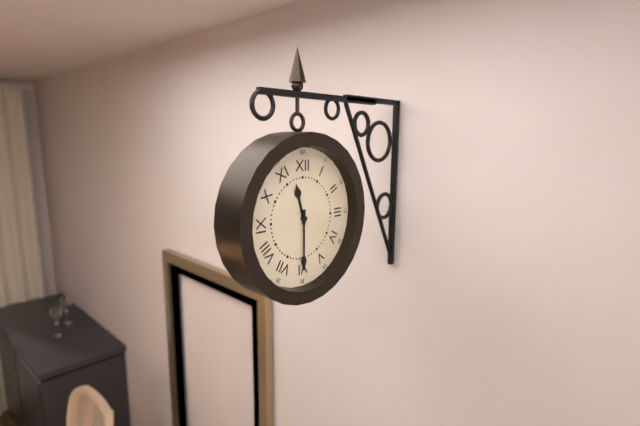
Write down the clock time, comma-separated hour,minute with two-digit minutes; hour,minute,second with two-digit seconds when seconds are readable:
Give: 11,30
